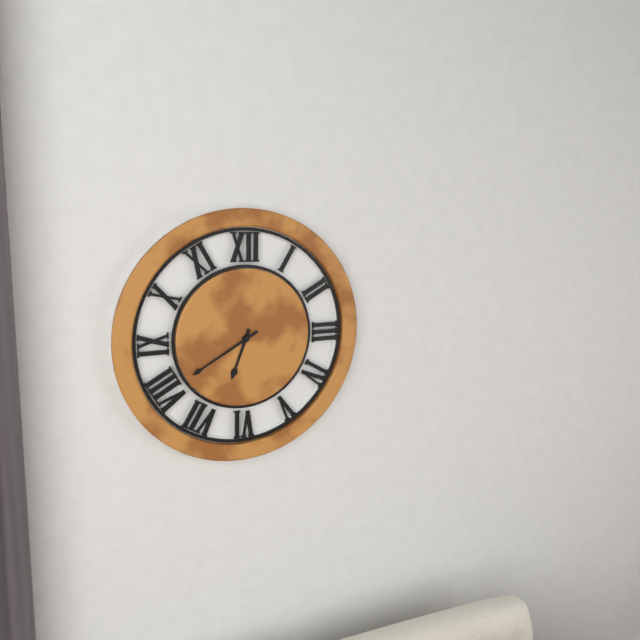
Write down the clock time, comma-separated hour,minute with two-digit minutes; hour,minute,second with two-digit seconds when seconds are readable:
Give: 6,40
